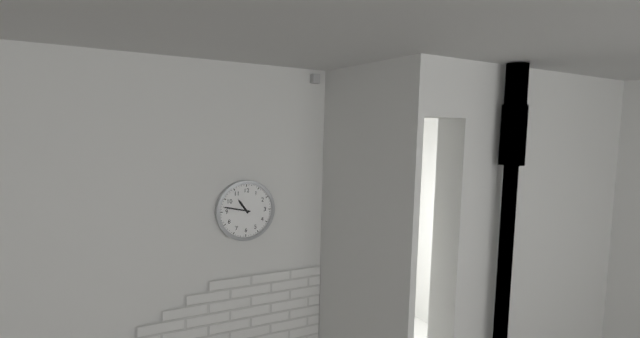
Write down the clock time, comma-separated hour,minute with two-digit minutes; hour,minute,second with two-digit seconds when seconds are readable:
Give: 10,47
